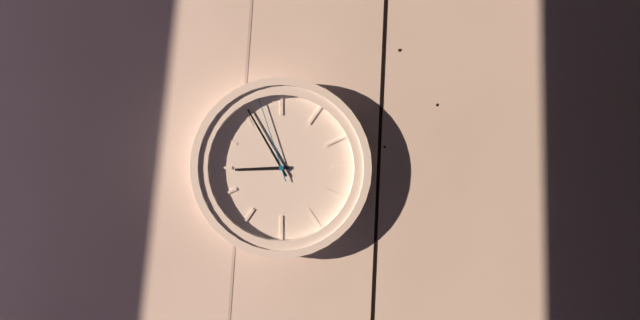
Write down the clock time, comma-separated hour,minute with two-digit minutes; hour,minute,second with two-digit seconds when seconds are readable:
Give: 8,55,57
